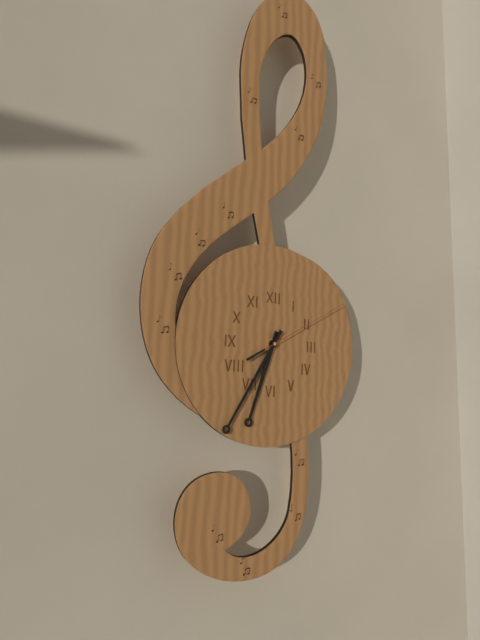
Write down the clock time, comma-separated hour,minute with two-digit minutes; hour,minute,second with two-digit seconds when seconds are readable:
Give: 6,35,10
